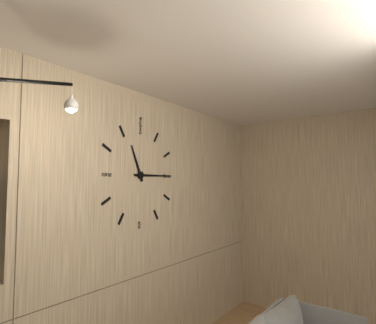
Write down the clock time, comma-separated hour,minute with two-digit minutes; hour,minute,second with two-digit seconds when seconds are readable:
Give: 11,15
